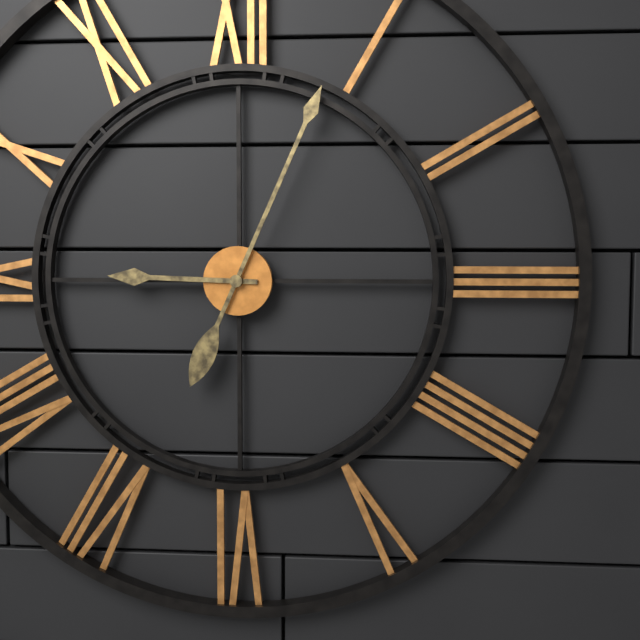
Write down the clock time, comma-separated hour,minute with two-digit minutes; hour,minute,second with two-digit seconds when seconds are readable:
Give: 9,04
